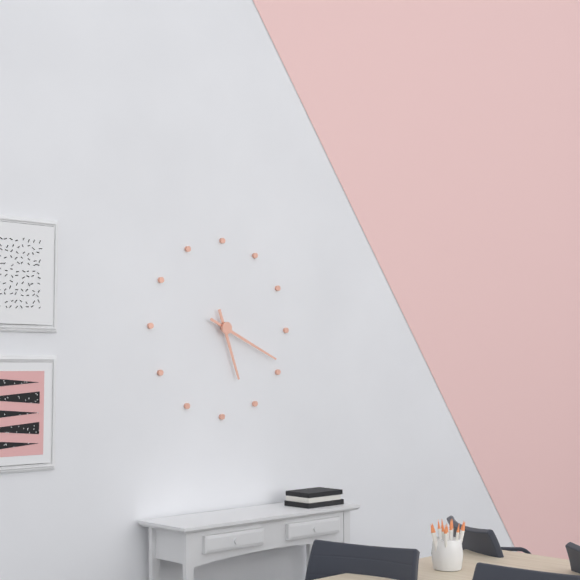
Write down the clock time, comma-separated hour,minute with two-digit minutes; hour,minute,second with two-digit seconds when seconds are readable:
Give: 5,19
